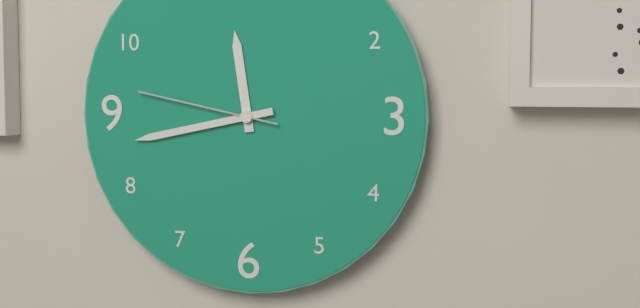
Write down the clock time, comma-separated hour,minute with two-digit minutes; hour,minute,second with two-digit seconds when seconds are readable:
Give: 11,43,47
